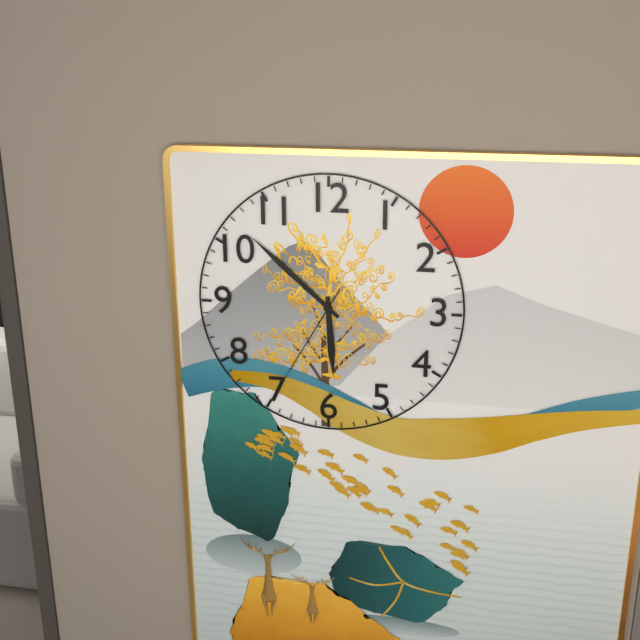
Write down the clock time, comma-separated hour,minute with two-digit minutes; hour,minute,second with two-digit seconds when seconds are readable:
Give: 5,52,35
